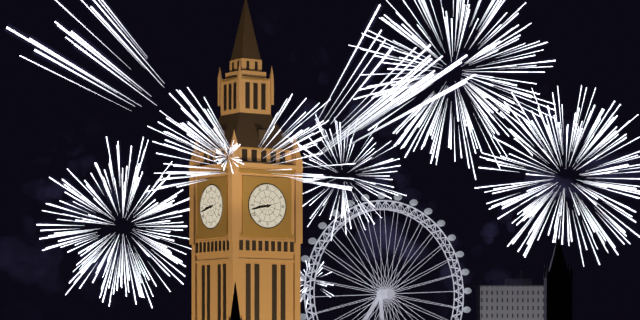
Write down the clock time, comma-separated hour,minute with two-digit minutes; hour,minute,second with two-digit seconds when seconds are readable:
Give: 8,43
